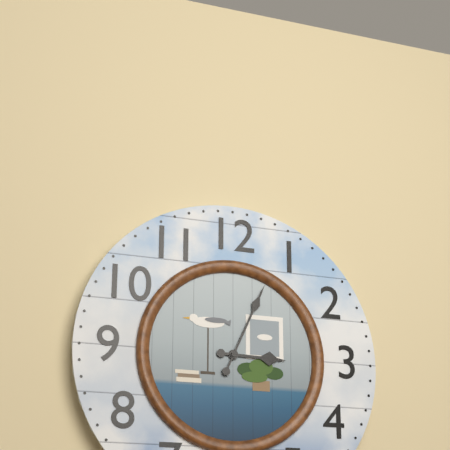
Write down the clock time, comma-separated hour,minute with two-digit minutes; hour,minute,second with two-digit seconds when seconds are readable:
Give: 3,04
